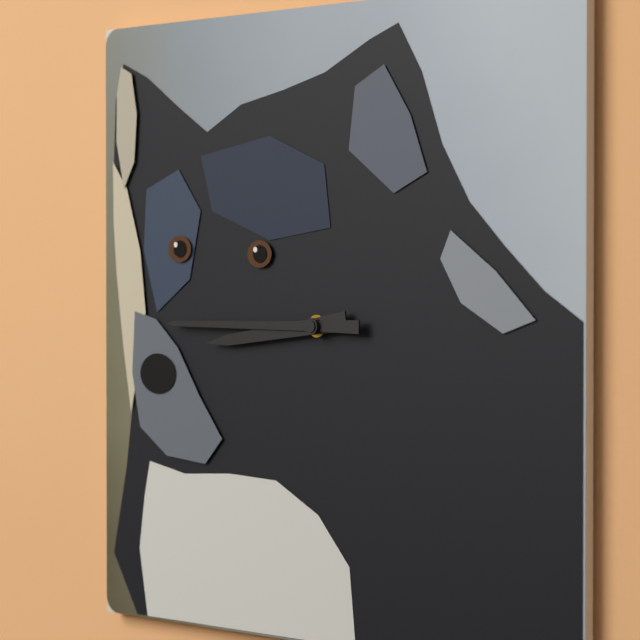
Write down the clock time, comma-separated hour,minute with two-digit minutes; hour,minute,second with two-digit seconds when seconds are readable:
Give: 8,45
